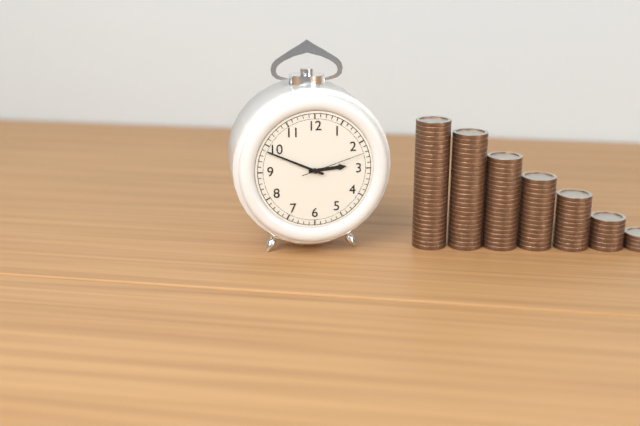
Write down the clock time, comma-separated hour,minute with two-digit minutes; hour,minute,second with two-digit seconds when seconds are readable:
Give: 2,49,12
